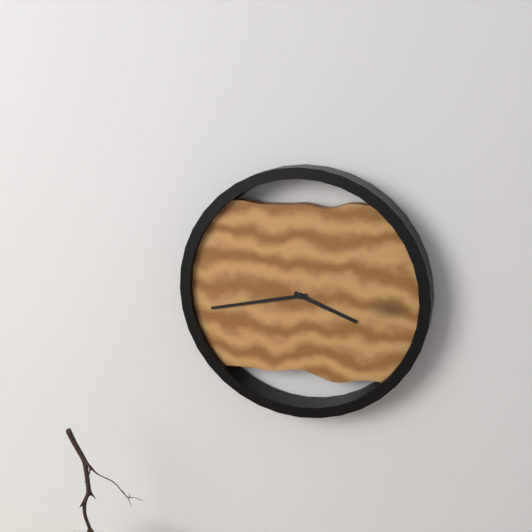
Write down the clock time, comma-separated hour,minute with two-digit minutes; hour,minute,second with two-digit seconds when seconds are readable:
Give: 3,43
